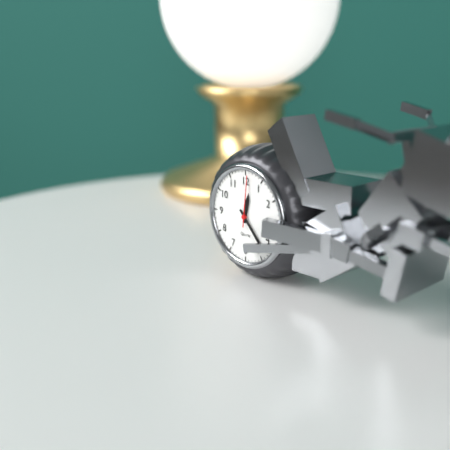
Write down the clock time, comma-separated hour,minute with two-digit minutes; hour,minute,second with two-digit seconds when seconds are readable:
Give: 12,23,01
